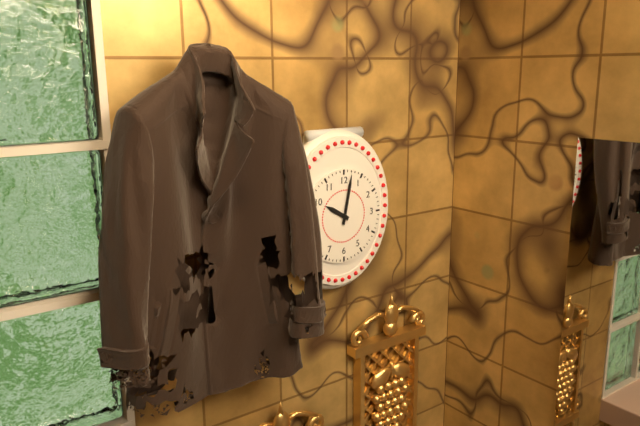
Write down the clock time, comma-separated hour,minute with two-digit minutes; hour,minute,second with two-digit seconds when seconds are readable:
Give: 10,02
